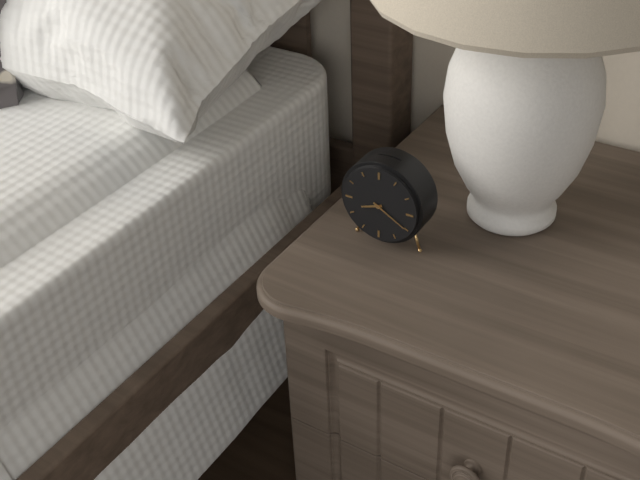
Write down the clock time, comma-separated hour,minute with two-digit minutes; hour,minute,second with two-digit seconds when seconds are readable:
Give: 8,20
